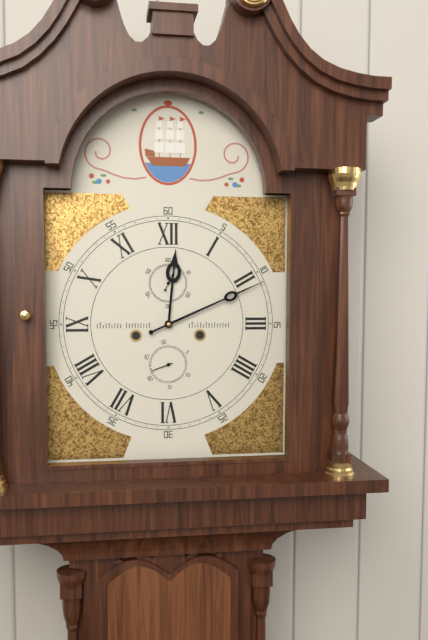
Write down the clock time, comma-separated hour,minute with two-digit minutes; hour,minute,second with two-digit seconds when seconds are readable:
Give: 12,11
